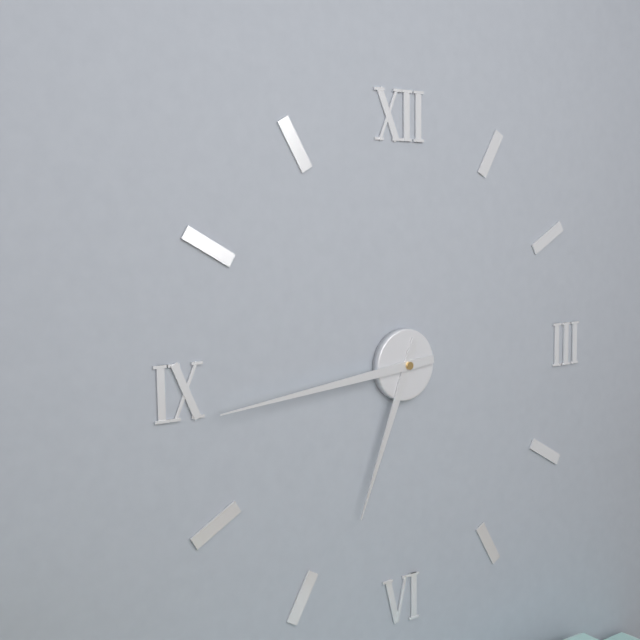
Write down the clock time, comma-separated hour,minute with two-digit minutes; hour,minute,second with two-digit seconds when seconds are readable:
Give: 6,44
